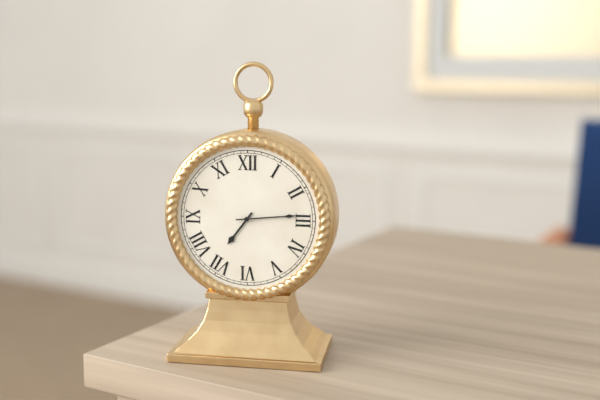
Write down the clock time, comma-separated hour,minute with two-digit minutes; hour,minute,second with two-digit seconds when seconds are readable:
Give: 7,14
